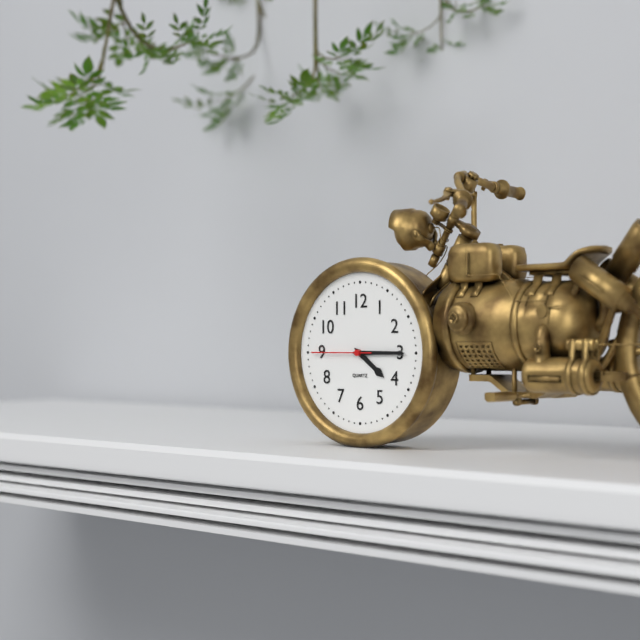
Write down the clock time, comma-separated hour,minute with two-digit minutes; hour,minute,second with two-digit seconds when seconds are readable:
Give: 4,15,45
